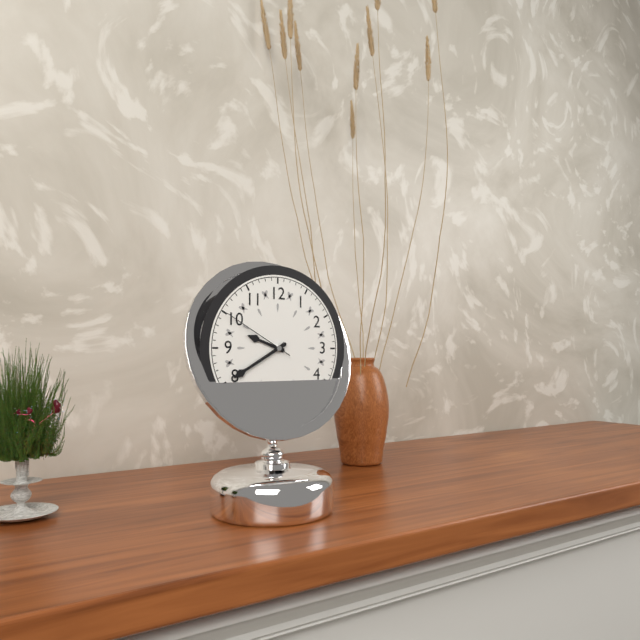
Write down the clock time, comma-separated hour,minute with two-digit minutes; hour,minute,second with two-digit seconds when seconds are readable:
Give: 9,40,50
